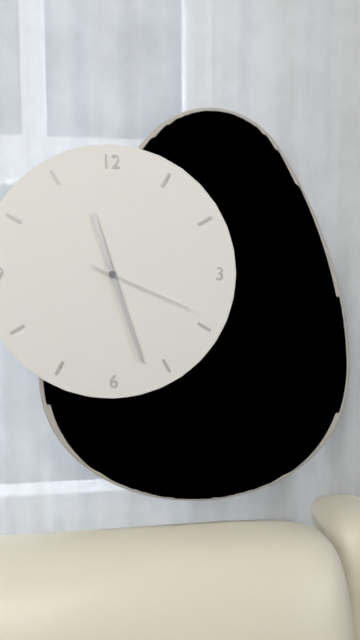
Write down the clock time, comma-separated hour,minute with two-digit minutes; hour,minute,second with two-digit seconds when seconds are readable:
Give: 11,27,19
